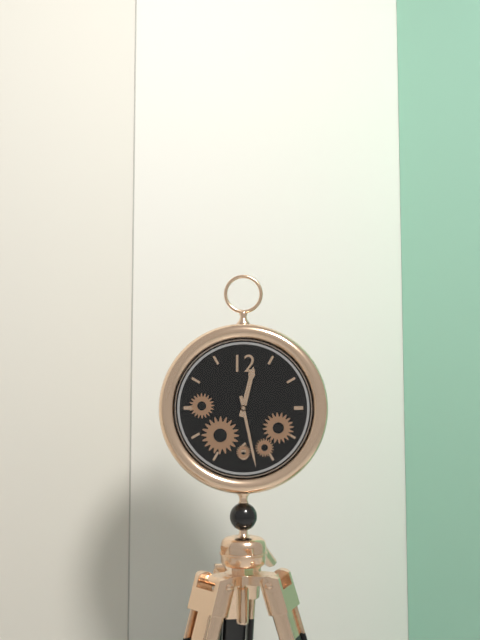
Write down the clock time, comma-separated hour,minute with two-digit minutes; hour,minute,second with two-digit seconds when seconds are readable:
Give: 12,28
